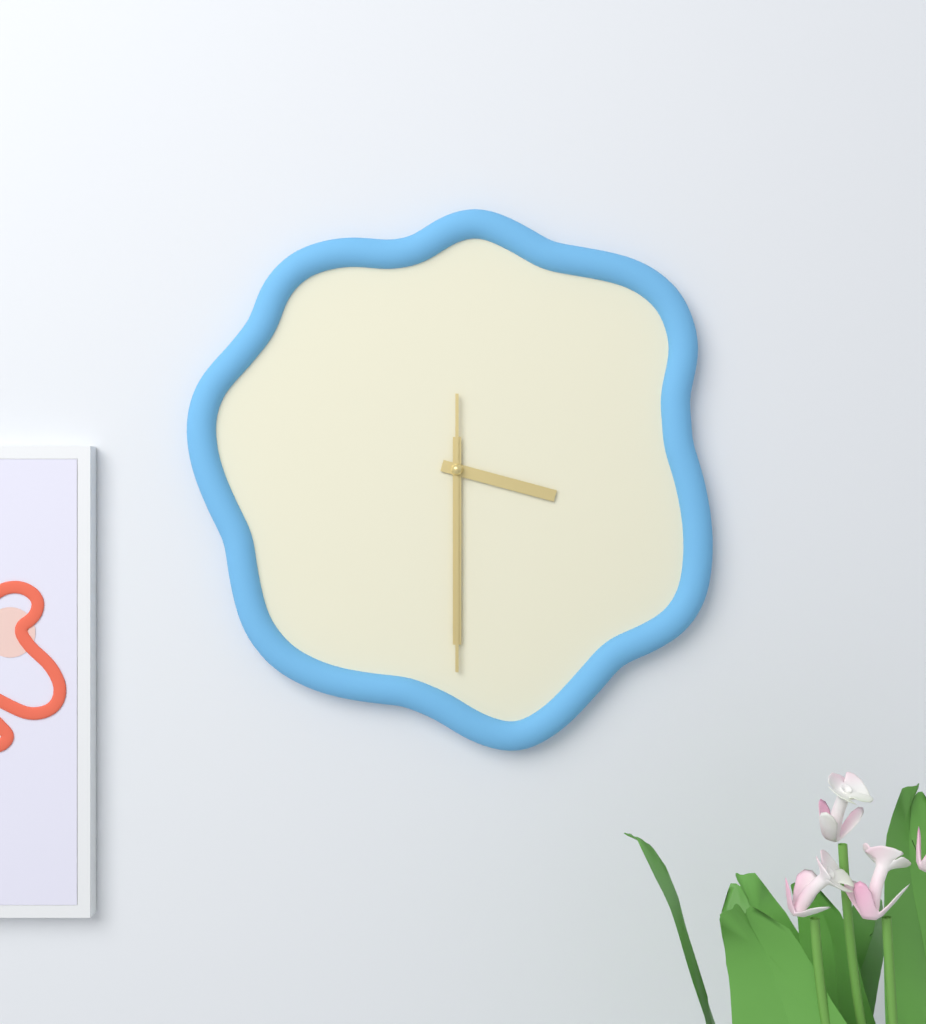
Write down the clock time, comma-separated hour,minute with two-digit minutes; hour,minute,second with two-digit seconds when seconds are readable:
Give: 3,30,30
